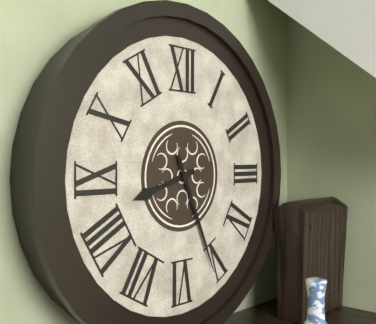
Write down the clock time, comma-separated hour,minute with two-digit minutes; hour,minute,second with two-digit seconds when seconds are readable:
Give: 8,26
